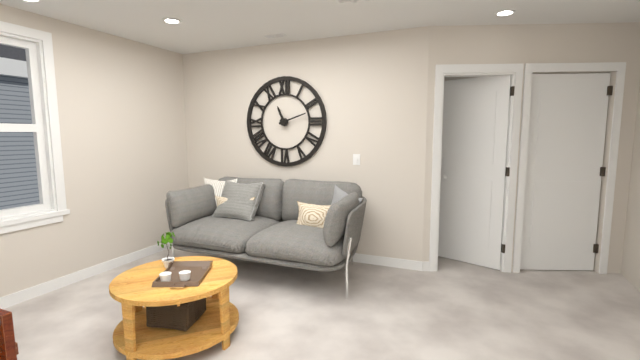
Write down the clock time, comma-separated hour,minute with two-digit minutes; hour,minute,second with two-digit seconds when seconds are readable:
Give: 11,12
